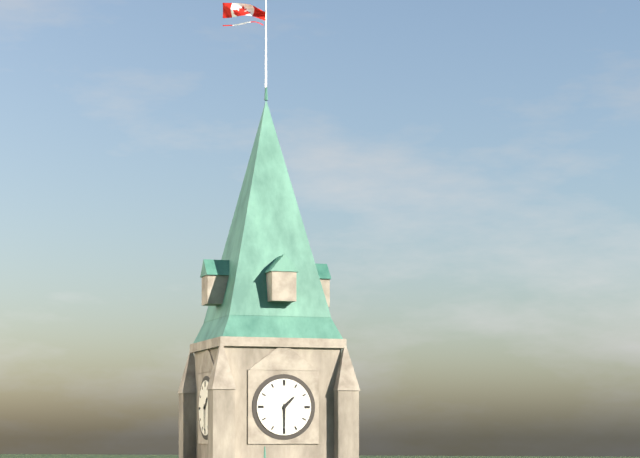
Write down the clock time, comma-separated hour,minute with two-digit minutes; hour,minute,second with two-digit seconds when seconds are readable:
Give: 1,30
